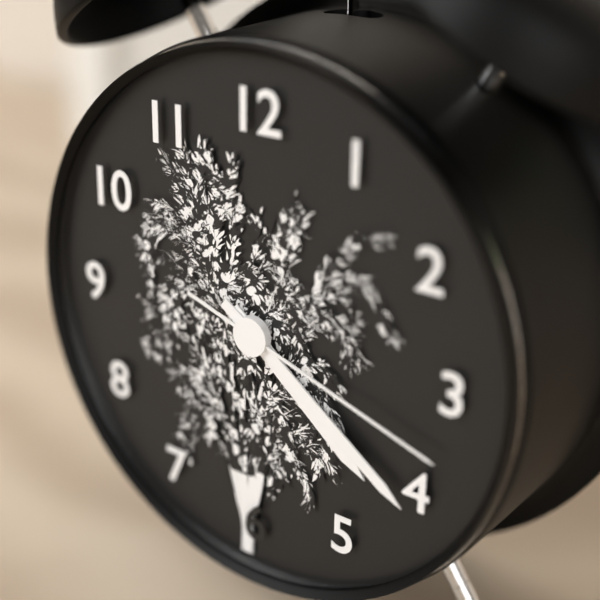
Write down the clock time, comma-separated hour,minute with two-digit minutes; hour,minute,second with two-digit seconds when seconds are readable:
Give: 4,21,18
